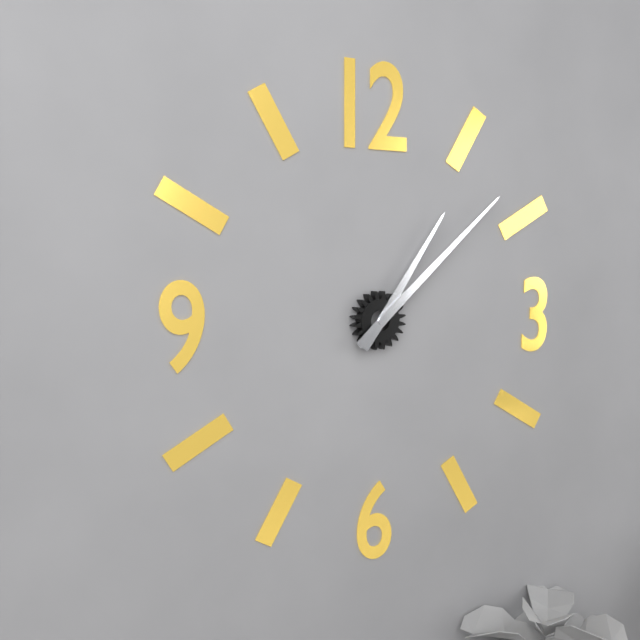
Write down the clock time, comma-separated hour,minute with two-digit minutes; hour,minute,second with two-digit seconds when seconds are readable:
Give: 1,08
